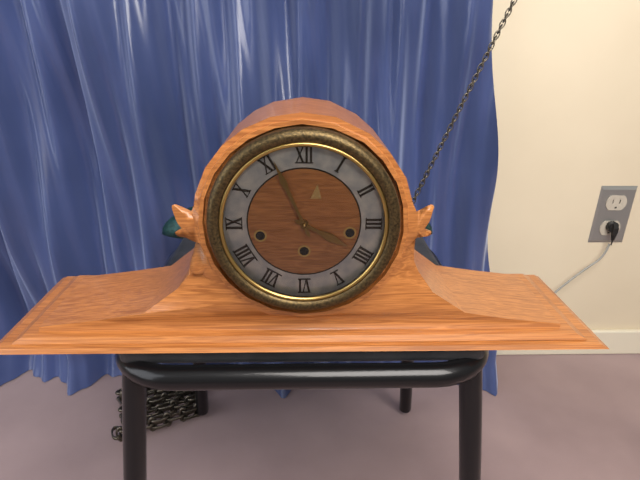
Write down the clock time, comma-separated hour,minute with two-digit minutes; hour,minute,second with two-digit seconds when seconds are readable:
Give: 3,56
